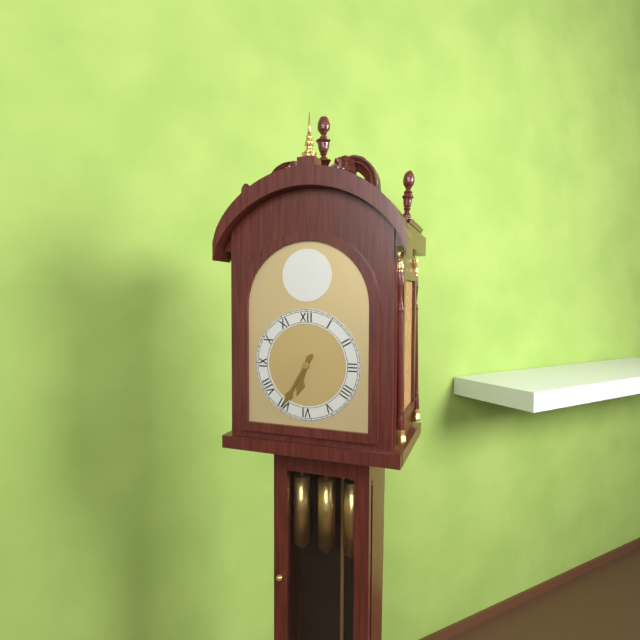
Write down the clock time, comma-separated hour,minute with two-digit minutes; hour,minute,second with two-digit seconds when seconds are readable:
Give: 6,35
